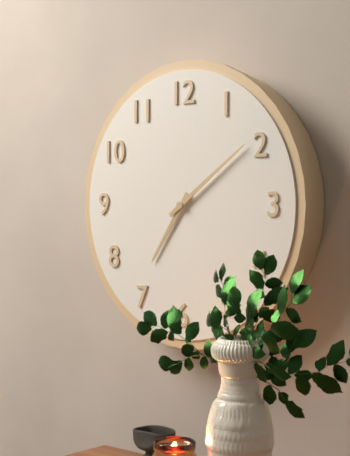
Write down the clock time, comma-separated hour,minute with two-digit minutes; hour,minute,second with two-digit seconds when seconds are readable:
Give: 7,09
